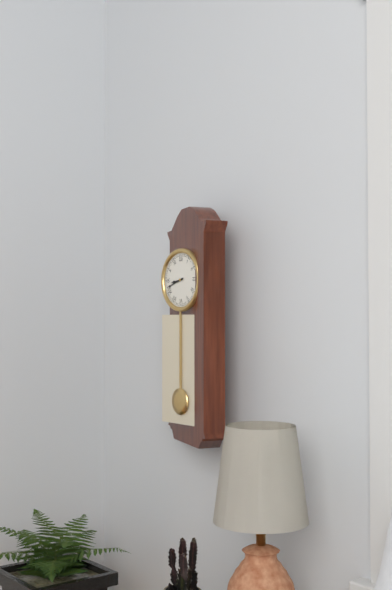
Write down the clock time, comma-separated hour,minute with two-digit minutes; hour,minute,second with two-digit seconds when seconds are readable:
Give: 8,42
